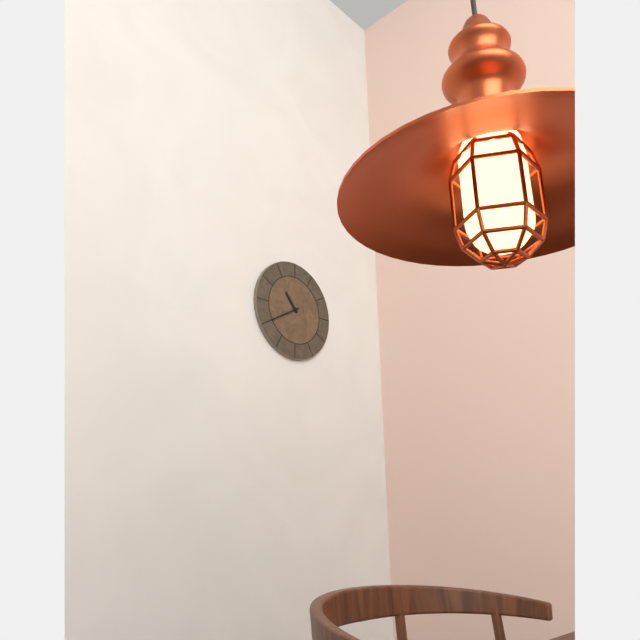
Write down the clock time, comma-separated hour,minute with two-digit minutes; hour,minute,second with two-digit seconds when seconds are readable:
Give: 10,40
